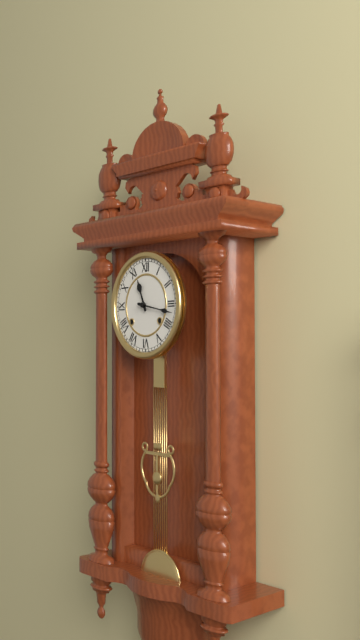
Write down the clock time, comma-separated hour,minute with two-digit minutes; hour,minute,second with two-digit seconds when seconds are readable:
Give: 11,17
